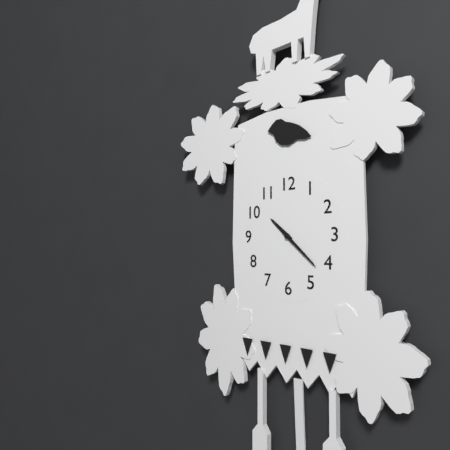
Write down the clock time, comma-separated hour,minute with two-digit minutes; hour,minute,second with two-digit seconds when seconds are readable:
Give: 10,22
